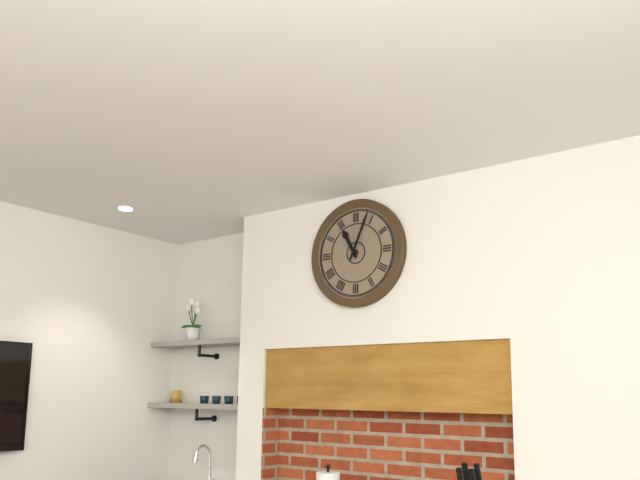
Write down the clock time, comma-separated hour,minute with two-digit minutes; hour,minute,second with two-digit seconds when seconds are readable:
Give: 11,04
